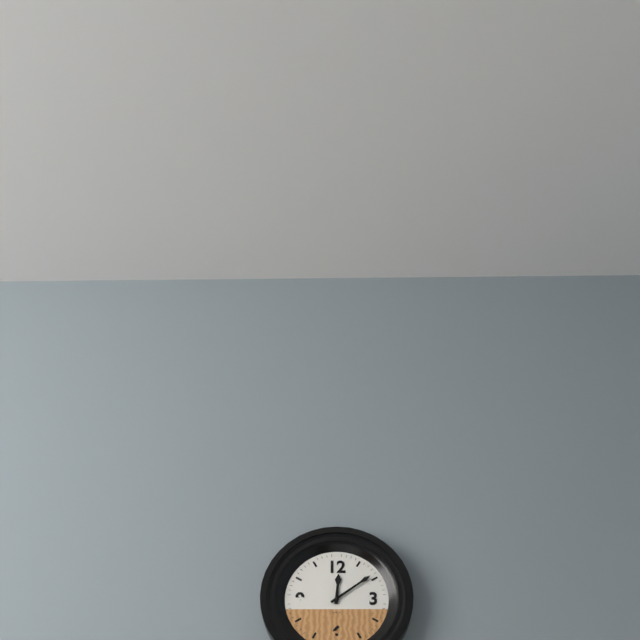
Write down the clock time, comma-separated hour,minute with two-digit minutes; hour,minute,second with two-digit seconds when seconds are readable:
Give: 12,09
